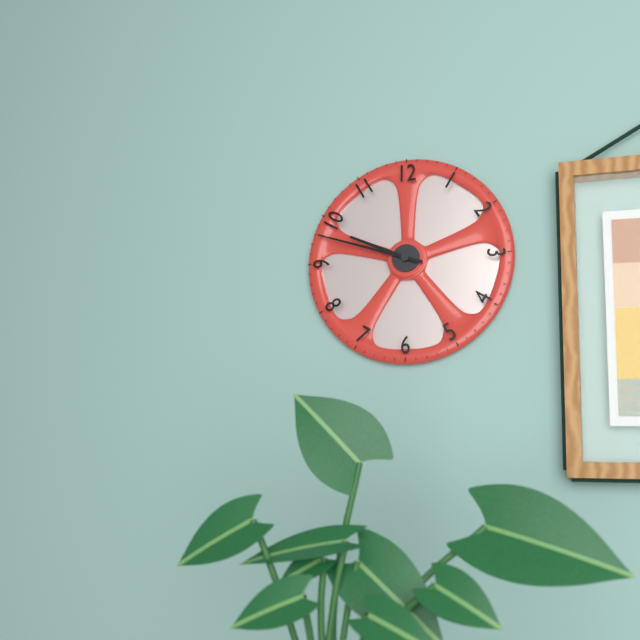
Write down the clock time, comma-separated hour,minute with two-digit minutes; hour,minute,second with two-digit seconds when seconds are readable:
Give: 9,48
